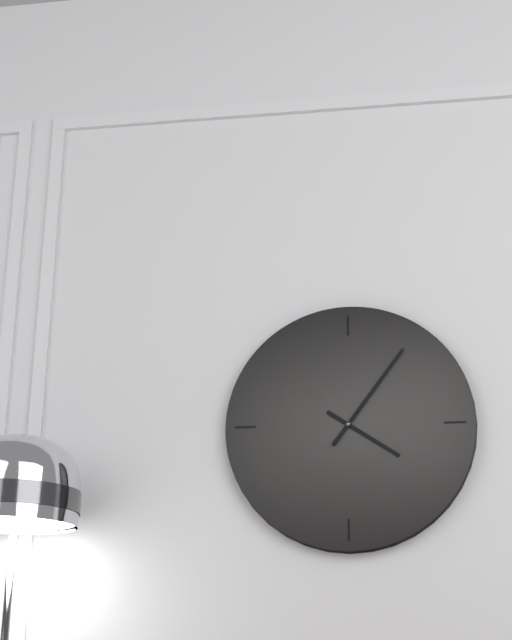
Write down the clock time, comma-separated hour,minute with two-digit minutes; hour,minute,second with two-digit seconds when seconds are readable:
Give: 4,06
